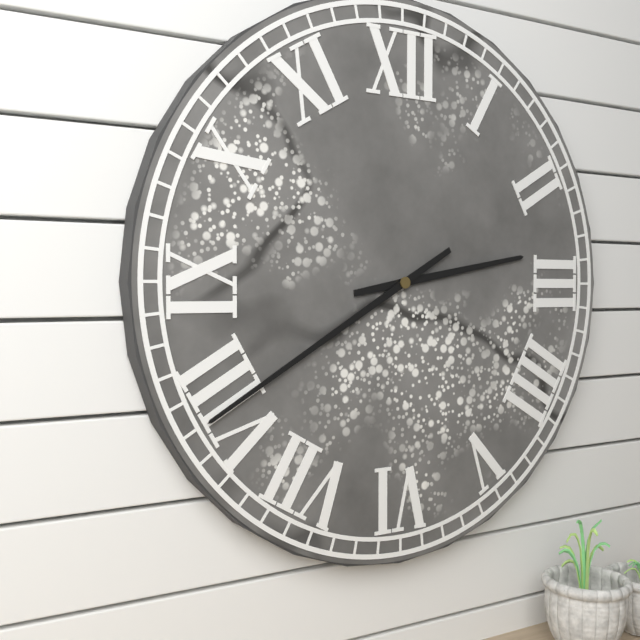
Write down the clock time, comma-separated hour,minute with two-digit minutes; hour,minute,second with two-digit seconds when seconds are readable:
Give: 2,40
